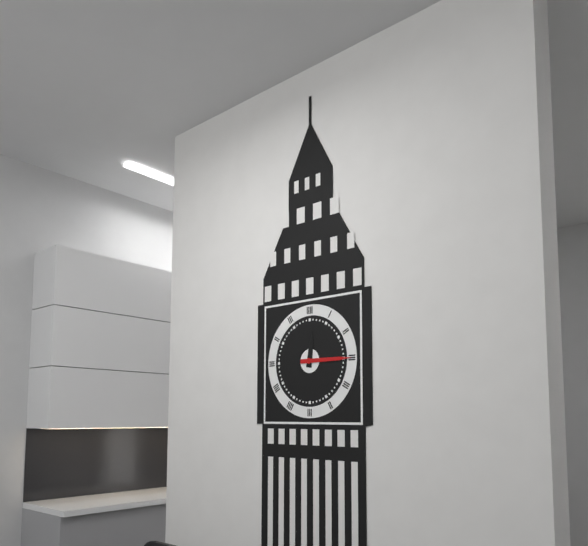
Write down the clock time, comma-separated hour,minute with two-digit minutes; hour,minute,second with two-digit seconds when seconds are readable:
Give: 12,15
